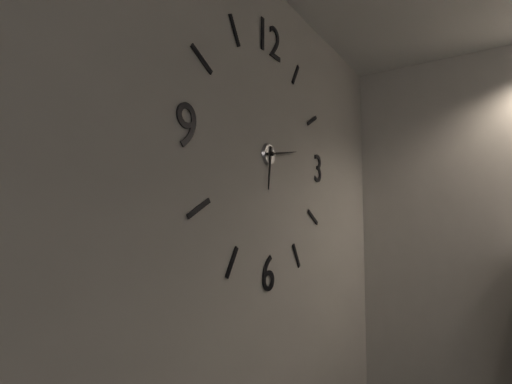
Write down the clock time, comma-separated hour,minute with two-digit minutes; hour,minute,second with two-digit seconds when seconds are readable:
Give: 6,13
